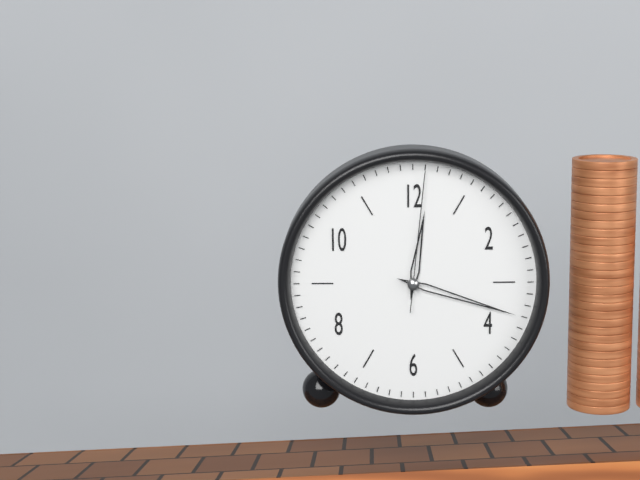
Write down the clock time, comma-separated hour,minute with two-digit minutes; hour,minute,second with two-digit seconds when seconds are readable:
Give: 12,18,01
